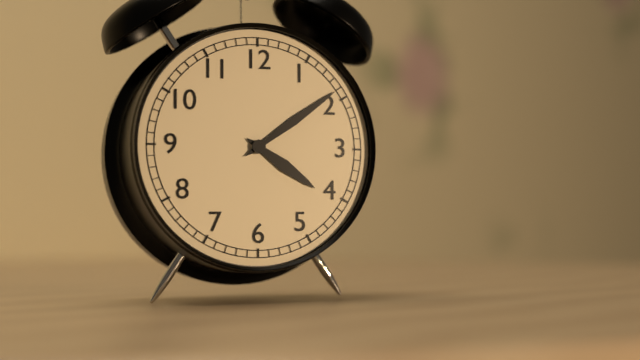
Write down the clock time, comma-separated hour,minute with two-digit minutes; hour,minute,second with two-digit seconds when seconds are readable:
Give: 4,09
